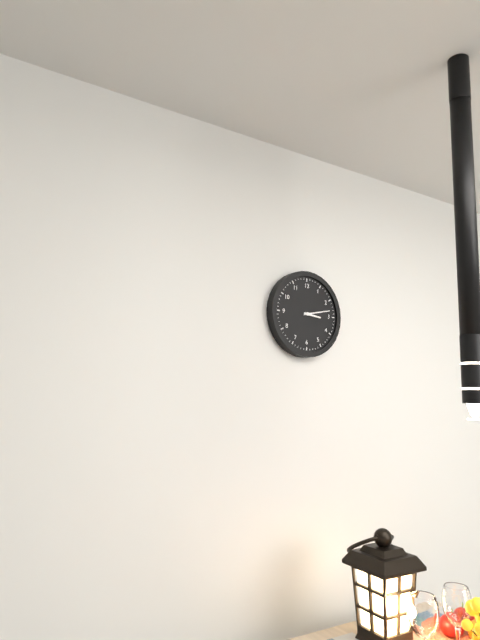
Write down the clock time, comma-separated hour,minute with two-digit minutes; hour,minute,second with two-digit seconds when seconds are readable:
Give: 3,13
